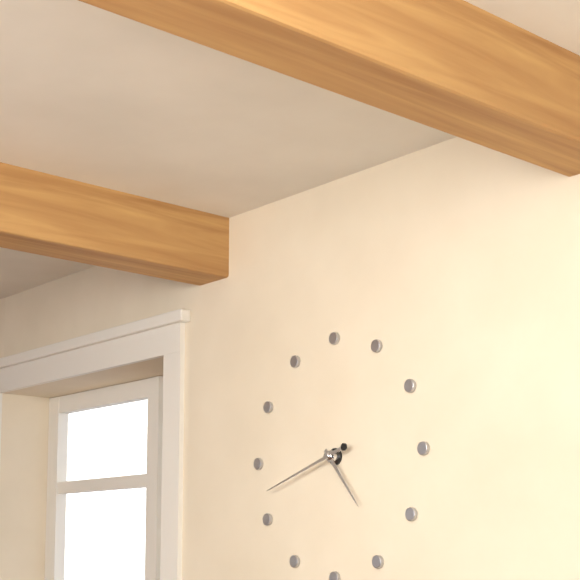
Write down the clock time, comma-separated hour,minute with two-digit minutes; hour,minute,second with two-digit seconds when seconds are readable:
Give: 4,42
